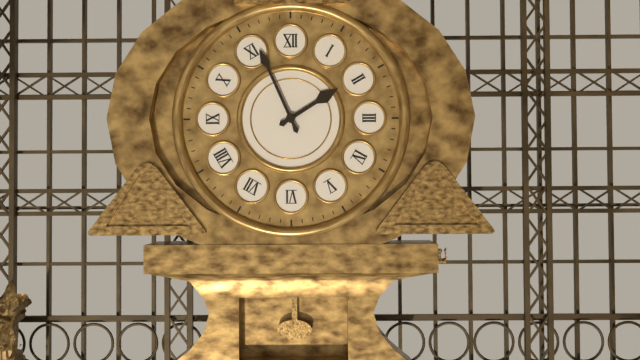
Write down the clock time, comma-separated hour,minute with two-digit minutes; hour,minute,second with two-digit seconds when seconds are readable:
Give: 1,56
